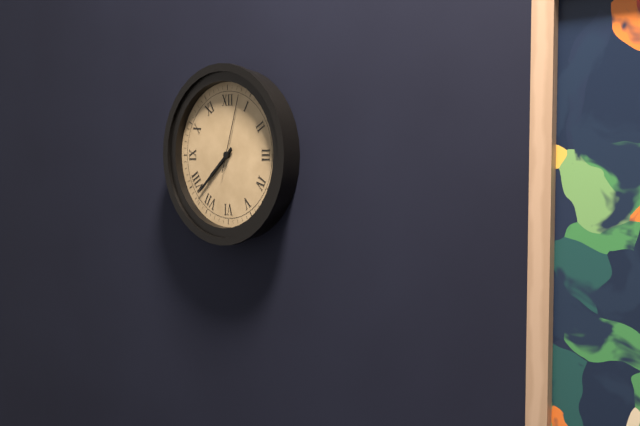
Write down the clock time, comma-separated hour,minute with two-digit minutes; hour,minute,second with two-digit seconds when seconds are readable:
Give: 7,38,03
